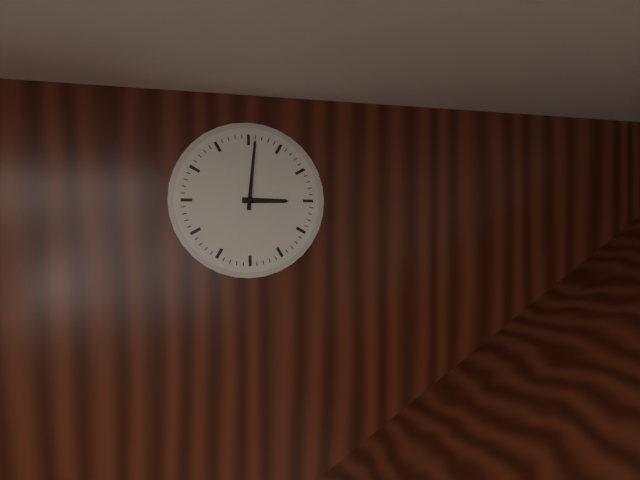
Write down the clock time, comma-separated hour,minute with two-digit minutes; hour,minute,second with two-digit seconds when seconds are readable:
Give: 3,01
